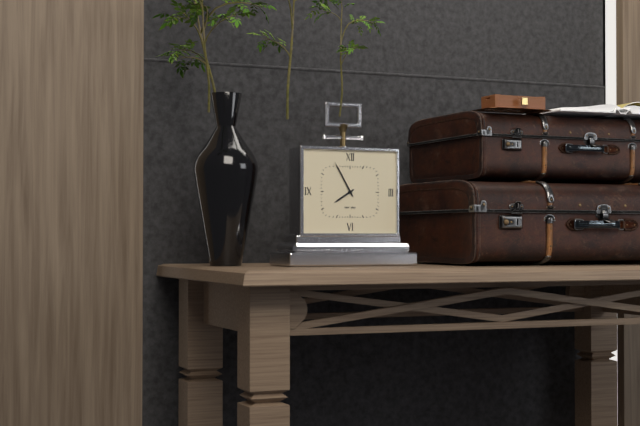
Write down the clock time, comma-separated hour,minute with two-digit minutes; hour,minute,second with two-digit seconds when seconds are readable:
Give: 7,55
